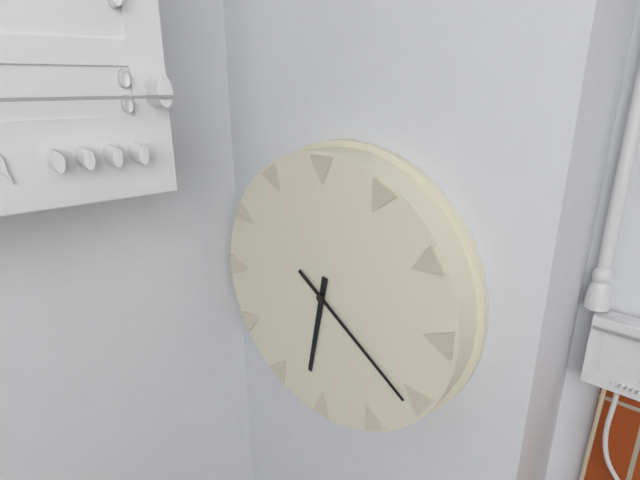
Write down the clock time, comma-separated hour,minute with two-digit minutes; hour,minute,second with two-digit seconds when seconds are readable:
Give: 6,21
